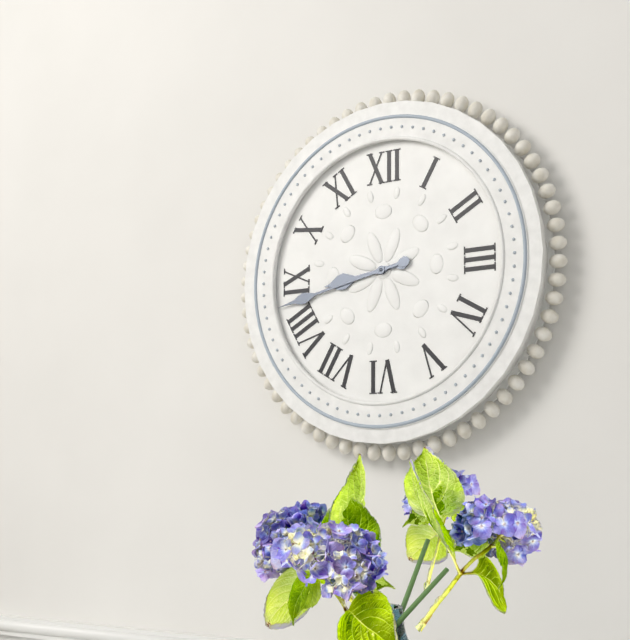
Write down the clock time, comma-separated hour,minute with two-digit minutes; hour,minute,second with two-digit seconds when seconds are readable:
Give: 8,43
